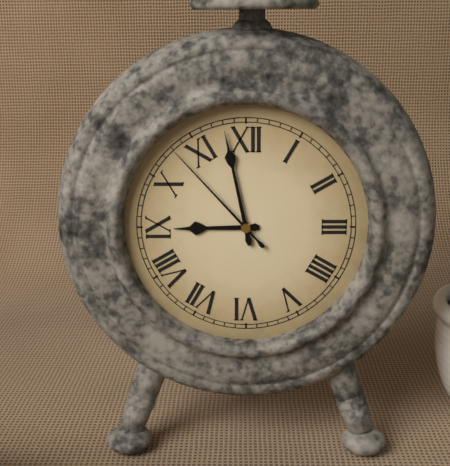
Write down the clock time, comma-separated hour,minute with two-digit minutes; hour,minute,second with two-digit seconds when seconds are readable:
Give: 8,58,53
